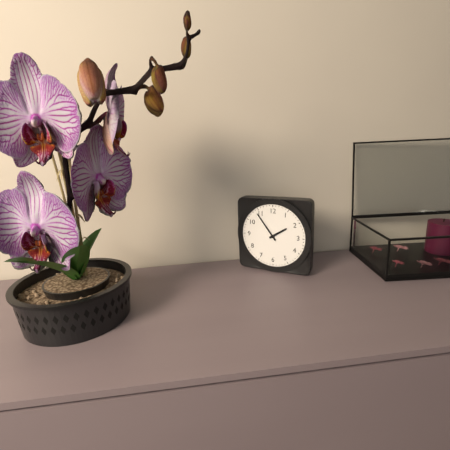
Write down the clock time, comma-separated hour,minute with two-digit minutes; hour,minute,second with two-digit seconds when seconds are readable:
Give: 1,54
